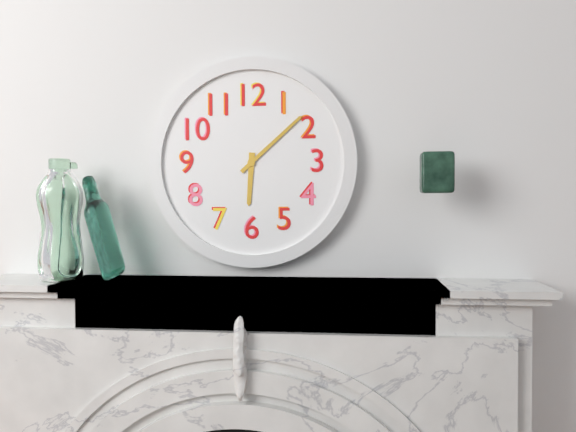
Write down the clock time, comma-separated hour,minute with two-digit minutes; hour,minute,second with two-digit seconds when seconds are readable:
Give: 6,08
